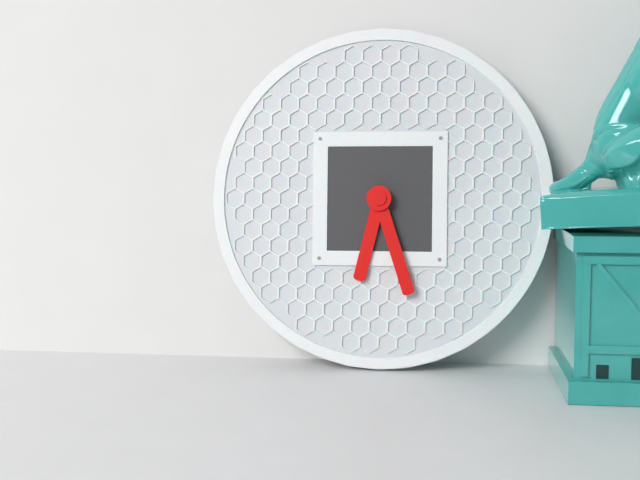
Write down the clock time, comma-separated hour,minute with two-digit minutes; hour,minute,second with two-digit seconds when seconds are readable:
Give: 6,27
